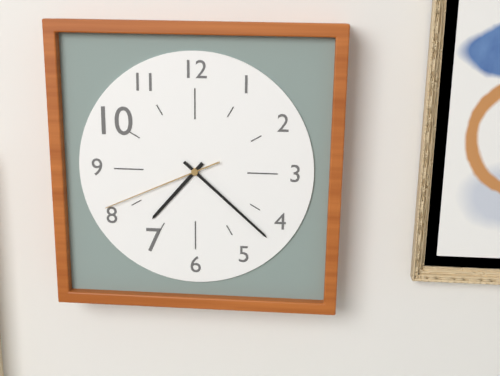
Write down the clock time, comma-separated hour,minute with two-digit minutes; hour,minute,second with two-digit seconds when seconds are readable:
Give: 7,22,41
